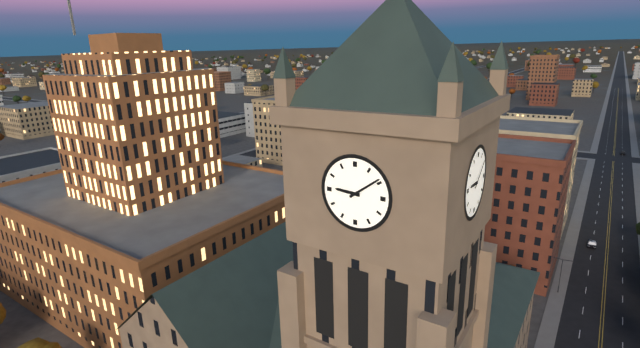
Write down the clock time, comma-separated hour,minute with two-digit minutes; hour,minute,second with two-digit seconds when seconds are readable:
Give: 9,09
